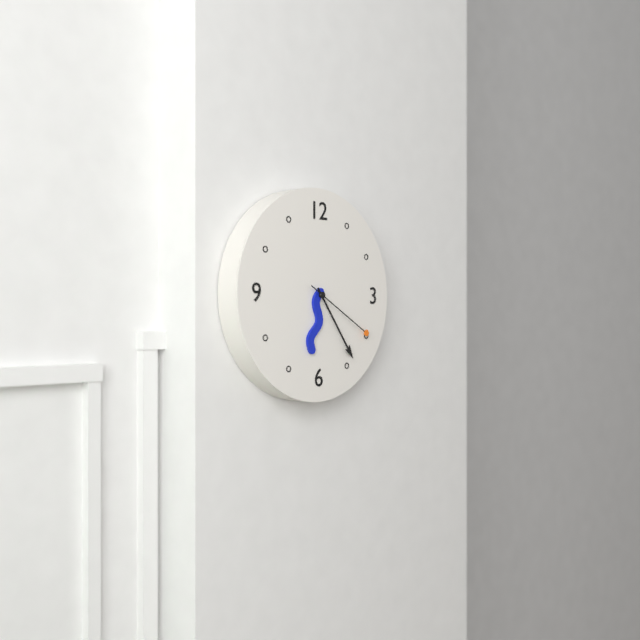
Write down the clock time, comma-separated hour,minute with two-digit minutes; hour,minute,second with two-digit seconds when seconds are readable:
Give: 6,24,20
